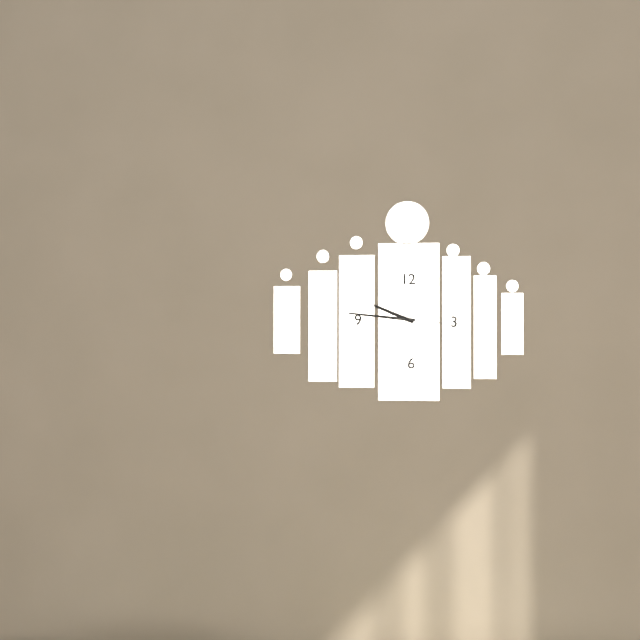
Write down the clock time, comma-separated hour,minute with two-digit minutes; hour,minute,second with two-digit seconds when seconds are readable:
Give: 9,46,16
